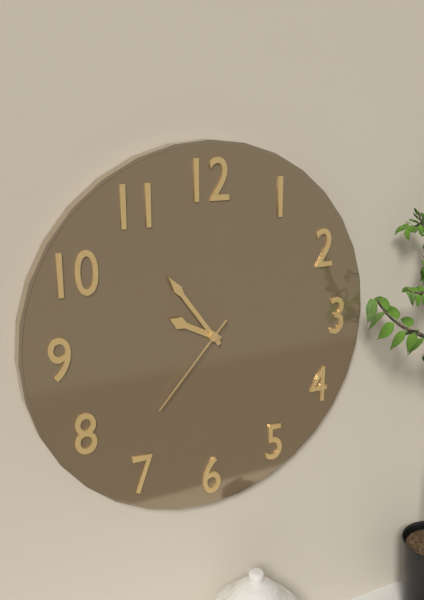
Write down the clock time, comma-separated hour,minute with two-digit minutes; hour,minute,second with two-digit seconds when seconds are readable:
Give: 9,54,37
